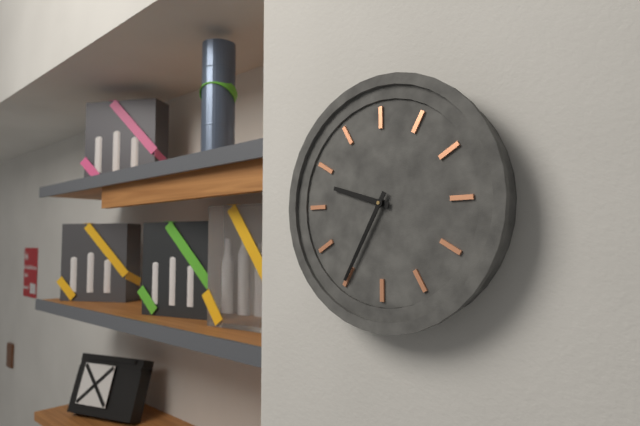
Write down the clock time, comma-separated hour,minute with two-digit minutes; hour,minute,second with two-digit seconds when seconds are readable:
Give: 9,35
